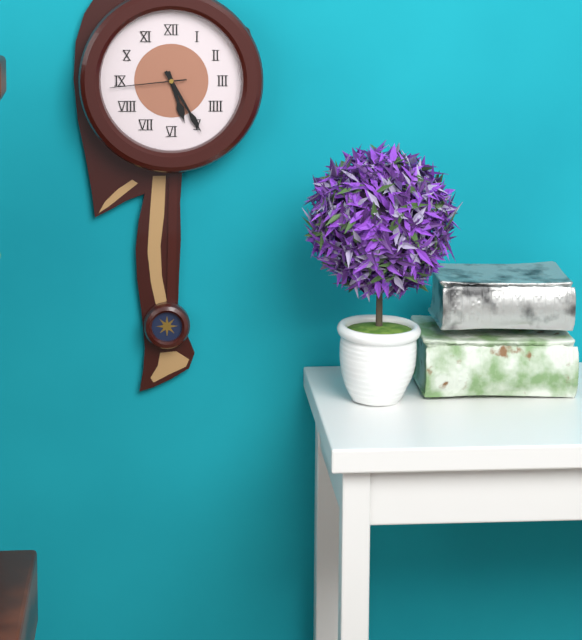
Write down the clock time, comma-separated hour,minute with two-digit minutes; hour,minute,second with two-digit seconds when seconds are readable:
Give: 5,25,44
